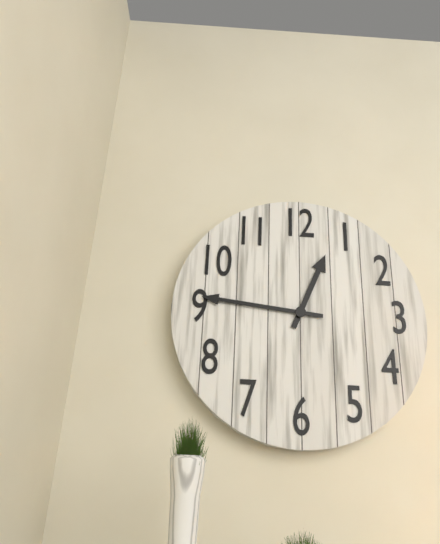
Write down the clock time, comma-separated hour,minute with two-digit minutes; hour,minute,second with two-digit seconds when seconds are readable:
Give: 12,46
